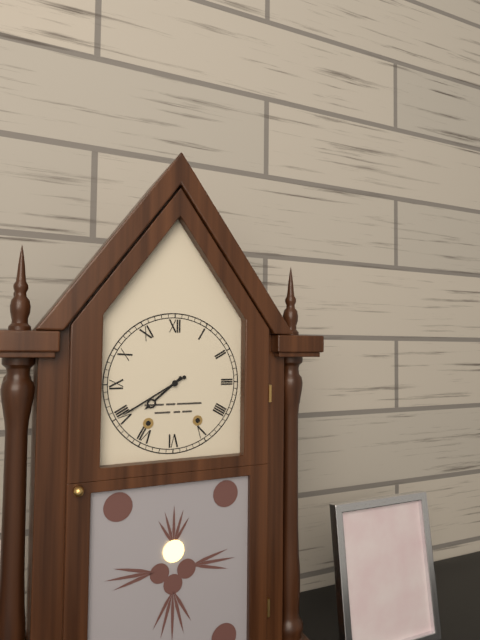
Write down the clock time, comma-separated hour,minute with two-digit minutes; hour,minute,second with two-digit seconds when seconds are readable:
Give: 7,40
